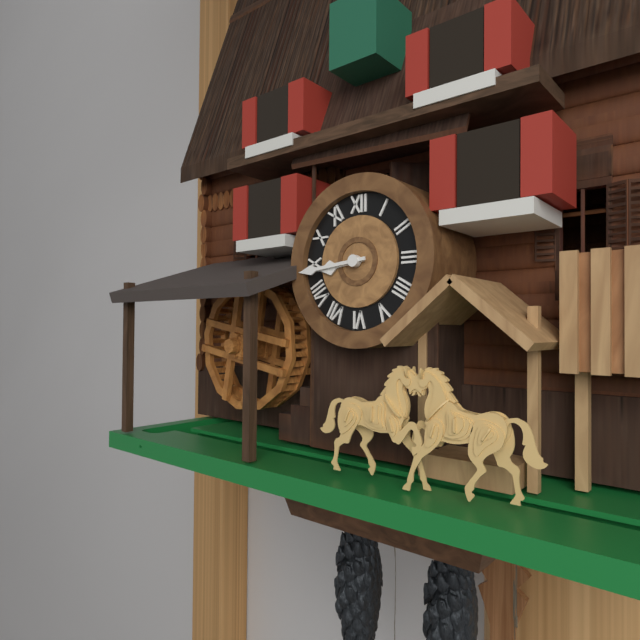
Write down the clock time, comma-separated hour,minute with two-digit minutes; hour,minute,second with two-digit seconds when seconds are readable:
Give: 8,44
